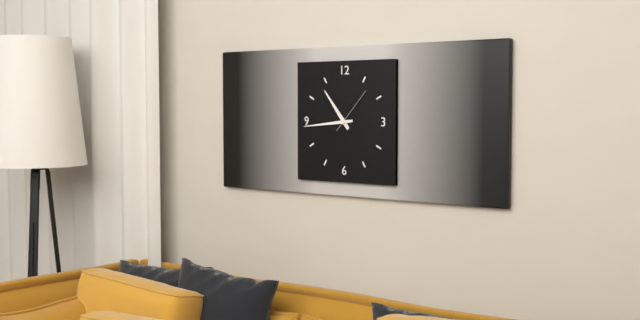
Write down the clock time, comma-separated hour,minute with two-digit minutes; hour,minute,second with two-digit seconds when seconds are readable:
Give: 10,44
